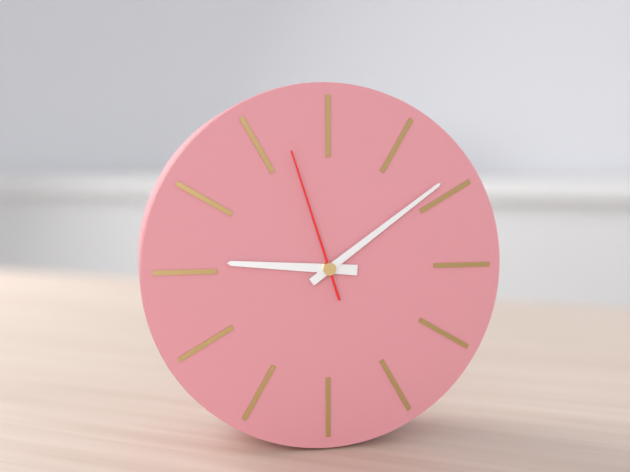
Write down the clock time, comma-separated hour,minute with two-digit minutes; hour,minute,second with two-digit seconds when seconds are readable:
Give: 9,09,57
